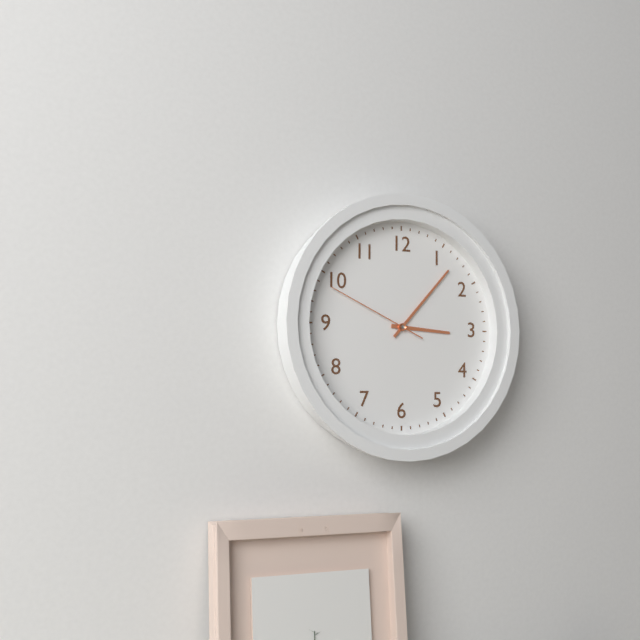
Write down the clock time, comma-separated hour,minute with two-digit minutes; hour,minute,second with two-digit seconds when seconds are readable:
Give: 3,07,49
